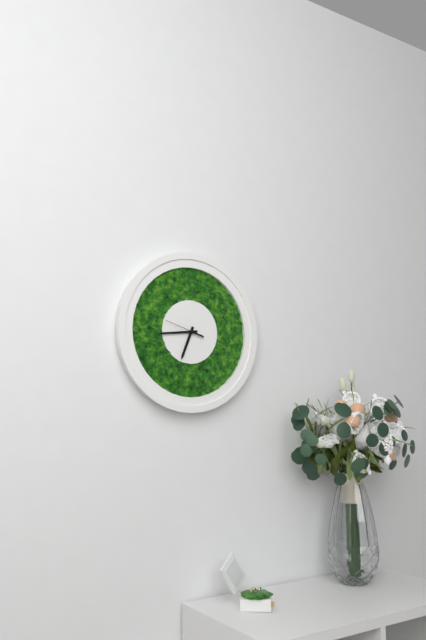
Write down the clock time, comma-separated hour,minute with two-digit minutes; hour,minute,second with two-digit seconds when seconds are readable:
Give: 6,44
